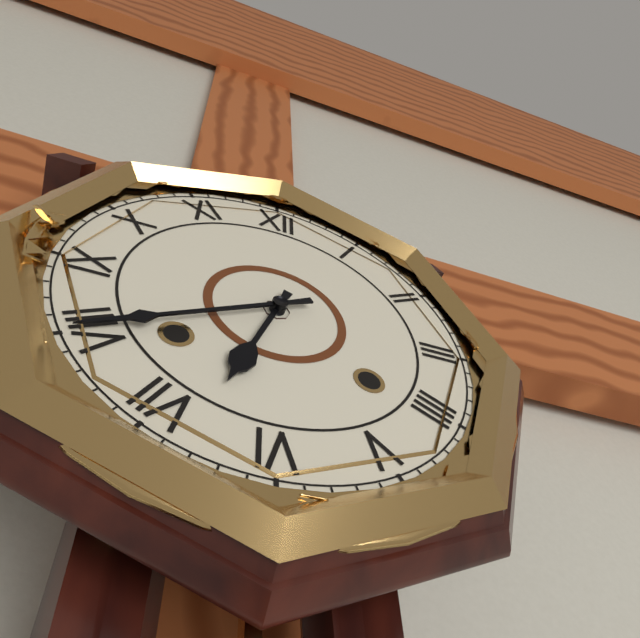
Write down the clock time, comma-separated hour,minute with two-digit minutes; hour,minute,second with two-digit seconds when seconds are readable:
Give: 6,40
